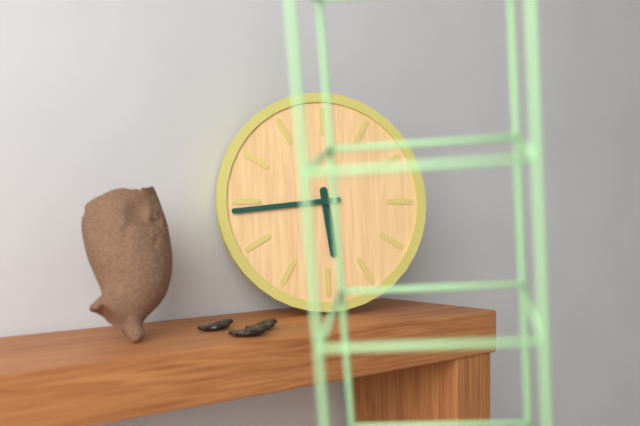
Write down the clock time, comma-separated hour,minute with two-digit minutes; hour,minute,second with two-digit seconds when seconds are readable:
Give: 5,44
